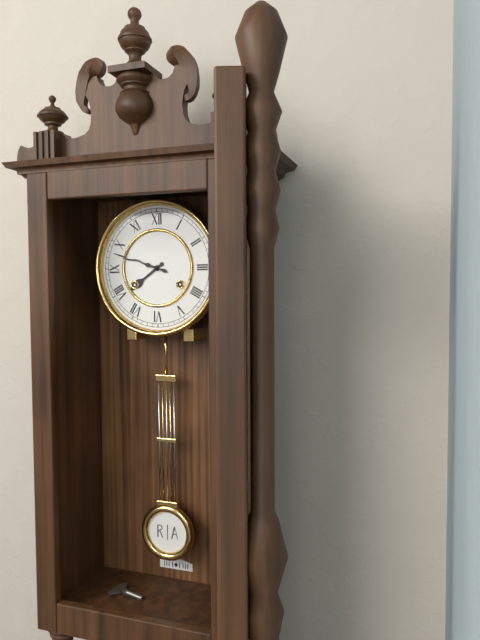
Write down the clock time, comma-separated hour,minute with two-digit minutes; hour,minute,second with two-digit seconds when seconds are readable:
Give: 7,48
